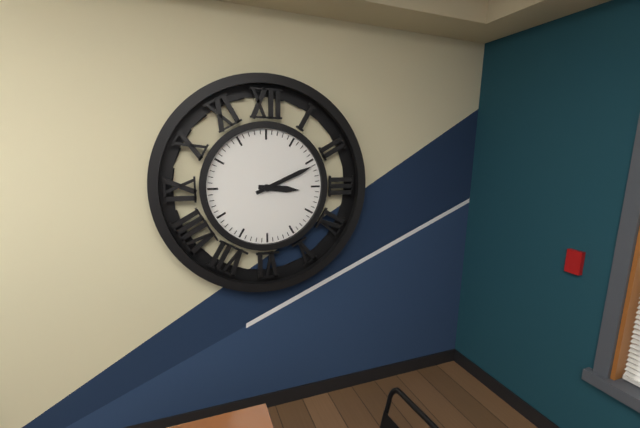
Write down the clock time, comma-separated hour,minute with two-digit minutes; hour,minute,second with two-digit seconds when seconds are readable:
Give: 3,11
